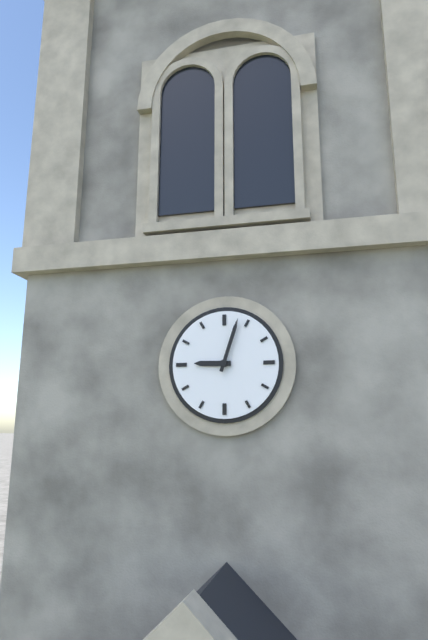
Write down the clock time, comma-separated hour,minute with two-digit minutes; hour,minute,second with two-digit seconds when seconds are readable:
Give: 9,03
